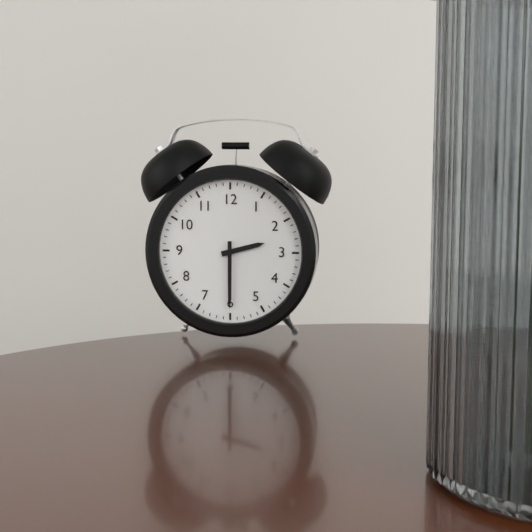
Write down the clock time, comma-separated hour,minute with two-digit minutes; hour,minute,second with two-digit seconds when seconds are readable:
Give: 2,30
